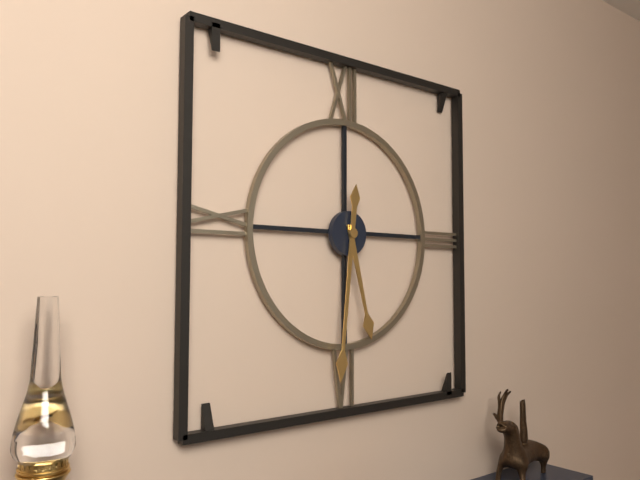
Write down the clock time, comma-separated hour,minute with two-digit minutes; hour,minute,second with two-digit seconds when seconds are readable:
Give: 5,31
